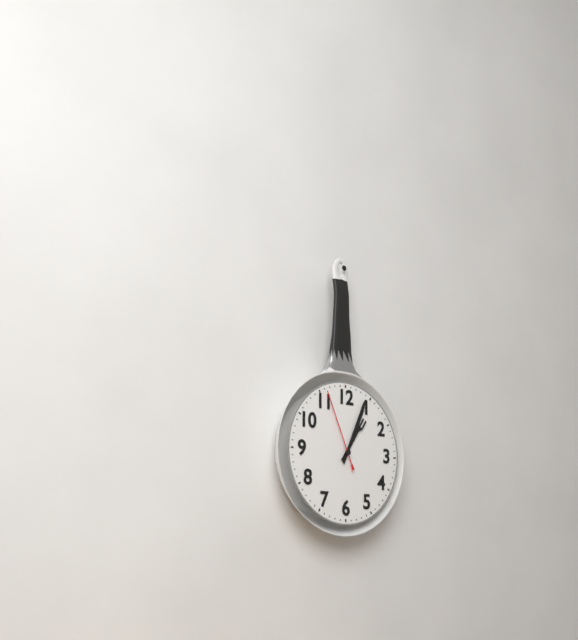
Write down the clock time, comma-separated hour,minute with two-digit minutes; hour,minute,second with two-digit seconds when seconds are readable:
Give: 1,04,56
